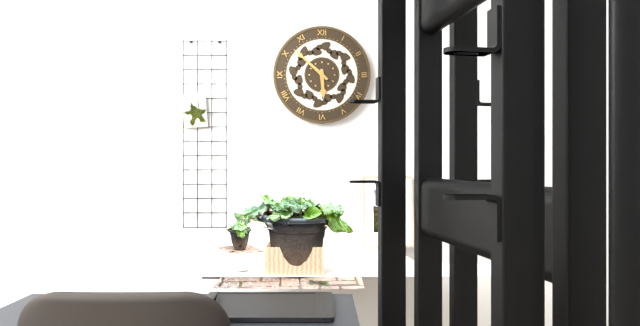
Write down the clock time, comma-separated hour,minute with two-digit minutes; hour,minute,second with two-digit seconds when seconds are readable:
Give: 5,52
